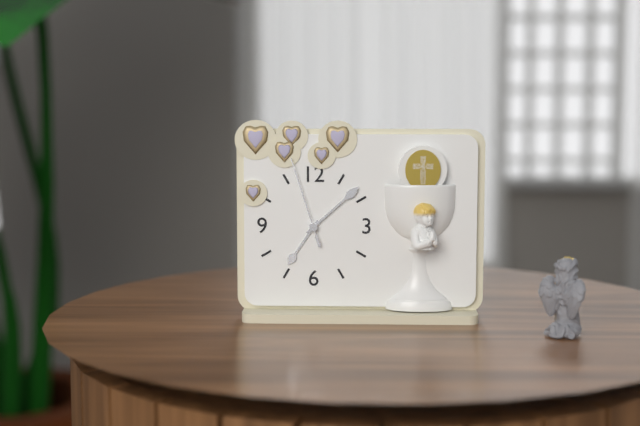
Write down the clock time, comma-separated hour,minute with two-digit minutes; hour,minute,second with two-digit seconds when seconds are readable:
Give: 7,08,57
